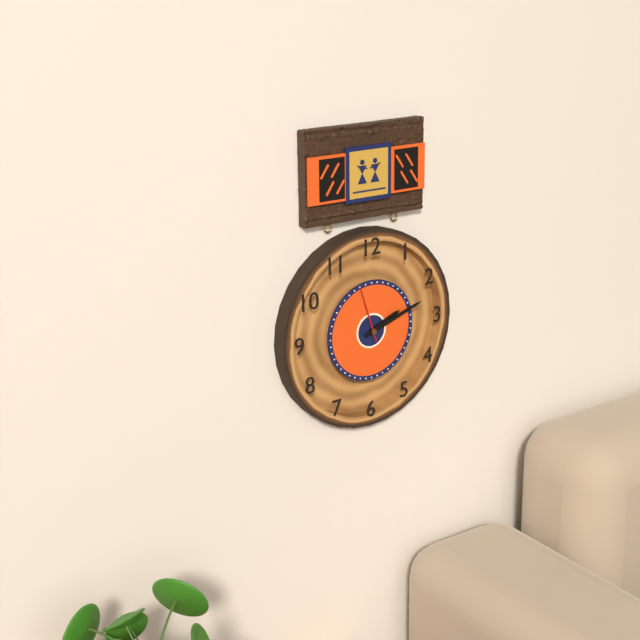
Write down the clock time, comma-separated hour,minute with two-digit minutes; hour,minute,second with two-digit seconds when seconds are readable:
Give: 2,12,57
